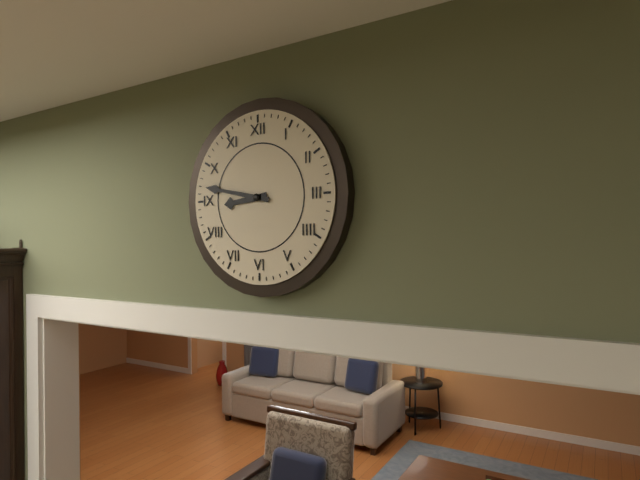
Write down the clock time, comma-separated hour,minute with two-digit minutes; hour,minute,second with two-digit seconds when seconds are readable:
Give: 8,47
